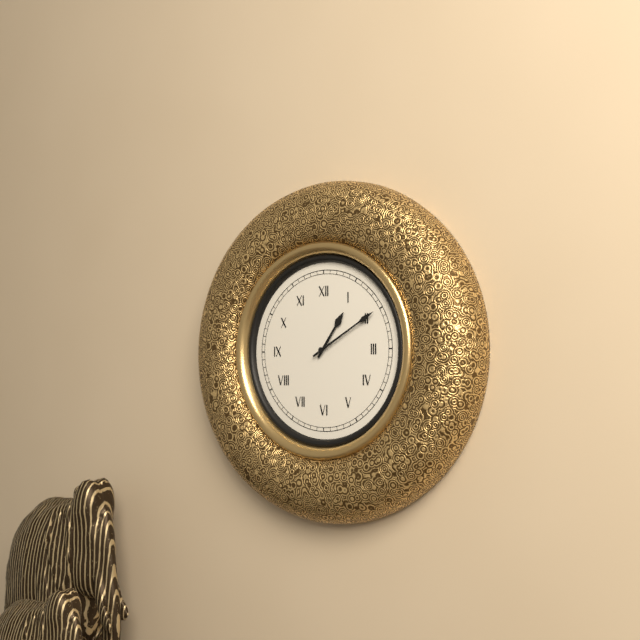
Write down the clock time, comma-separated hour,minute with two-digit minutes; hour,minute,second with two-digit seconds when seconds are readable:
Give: 1,10
